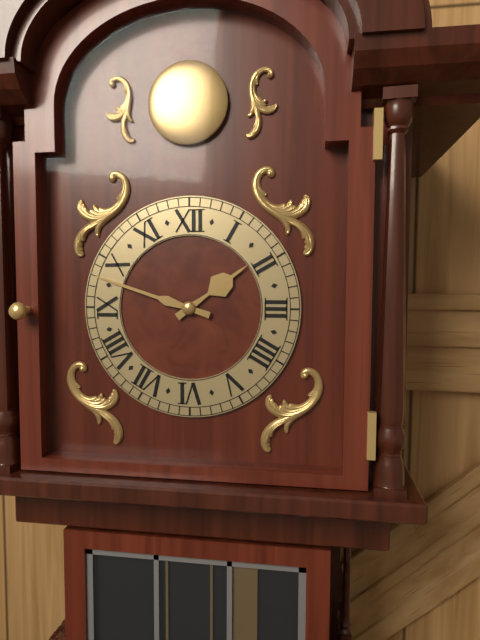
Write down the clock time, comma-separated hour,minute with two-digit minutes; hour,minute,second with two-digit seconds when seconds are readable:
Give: 1,48
